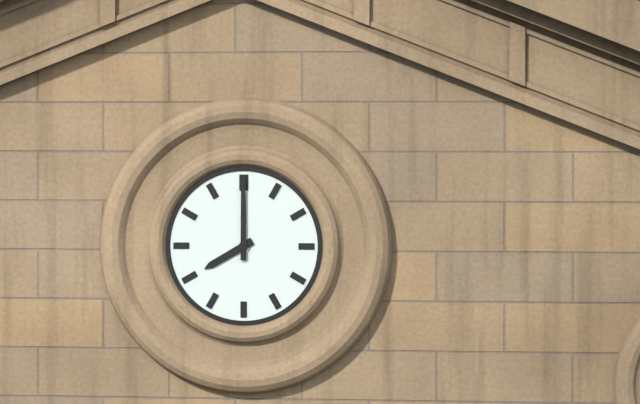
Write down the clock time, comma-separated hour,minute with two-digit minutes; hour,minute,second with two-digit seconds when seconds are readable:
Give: 8,00
